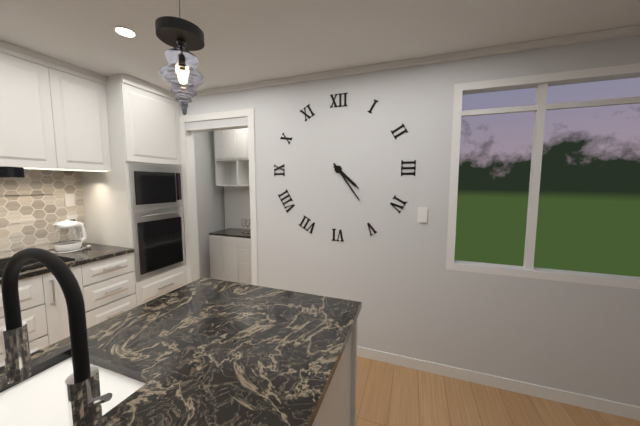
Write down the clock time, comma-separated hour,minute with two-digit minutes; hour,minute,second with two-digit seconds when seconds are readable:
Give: 4,24
